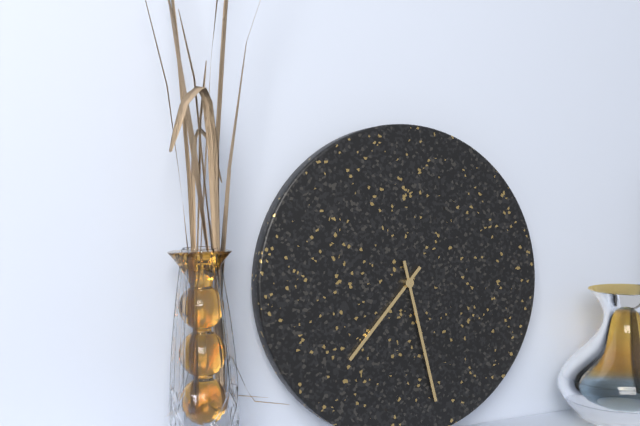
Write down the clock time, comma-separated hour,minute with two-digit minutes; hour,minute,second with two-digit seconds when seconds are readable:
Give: 7,28
